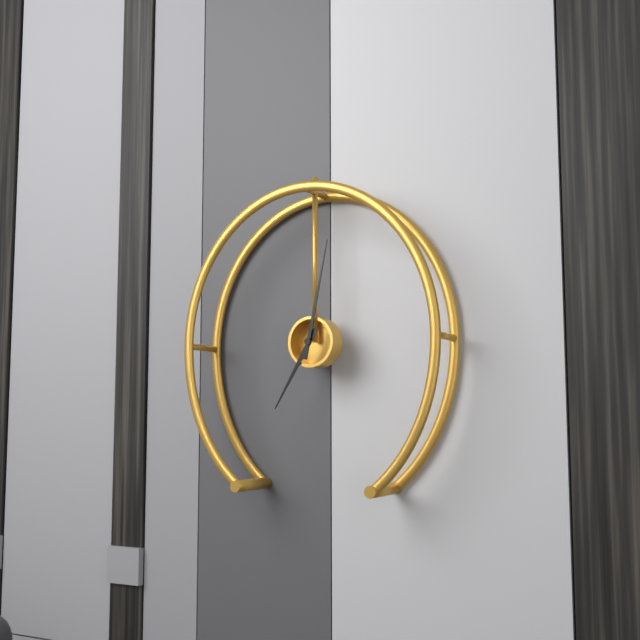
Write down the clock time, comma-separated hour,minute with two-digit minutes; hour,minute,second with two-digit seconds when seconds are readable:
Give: 7,02
